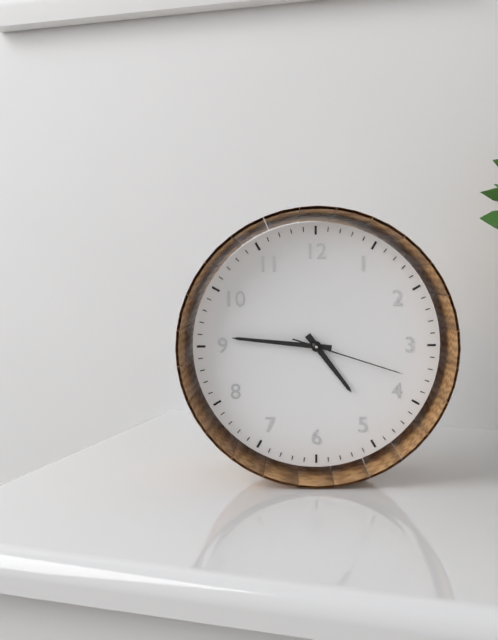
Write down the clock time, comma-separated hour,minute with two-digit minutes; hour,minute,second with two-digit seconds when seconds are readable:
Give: 4,46,18
